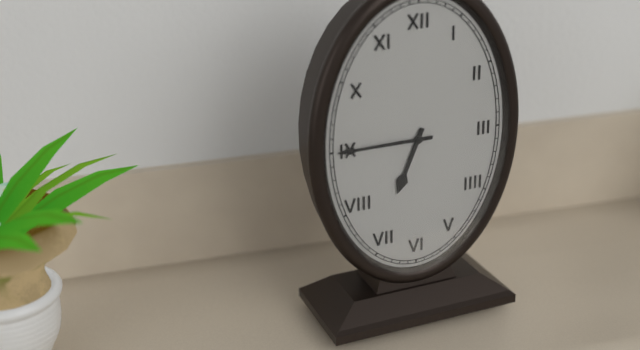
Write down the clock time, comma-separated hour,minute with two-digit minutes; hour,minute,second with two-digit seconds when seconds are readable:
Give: 6,45
